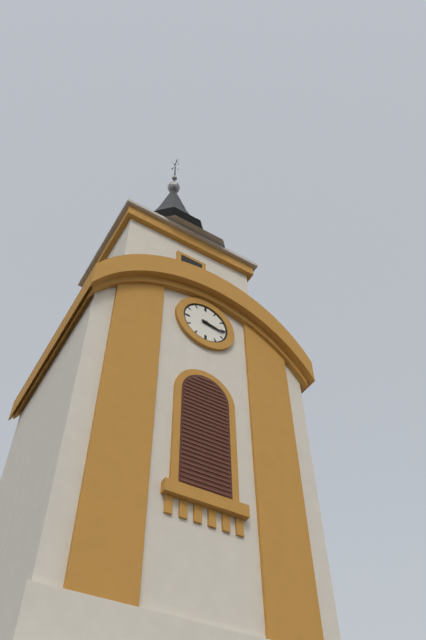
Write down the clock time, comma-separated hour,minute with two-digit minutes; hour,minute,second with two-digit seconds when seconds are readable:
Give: 3,17
